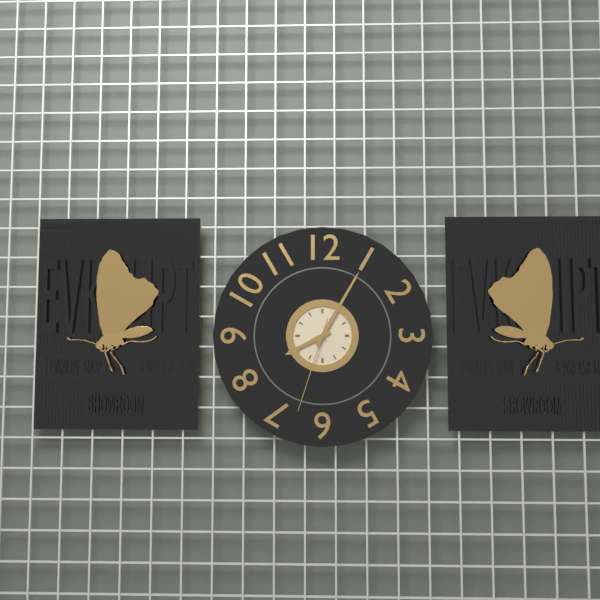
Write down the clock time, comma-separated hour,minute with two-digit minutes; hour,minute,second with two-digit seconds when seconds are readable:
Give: 8,05,33
